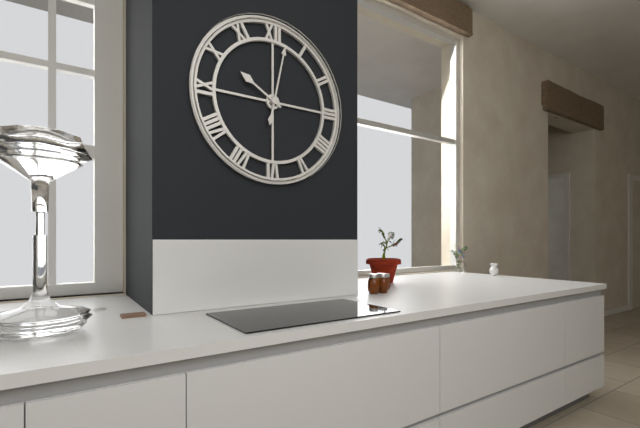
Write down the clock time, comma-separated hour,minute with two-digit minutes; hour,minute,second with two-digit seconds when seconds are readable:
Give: 10,02
